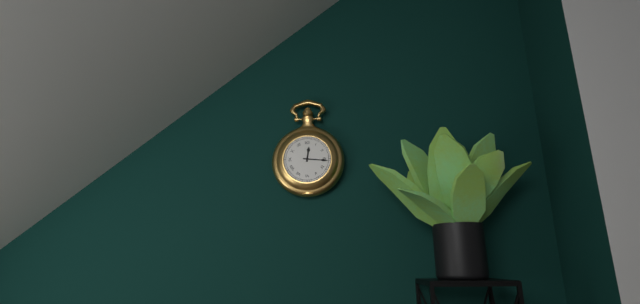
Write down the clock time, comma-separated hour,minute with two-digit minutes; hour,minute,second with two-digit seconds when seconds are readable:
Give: 12,16
